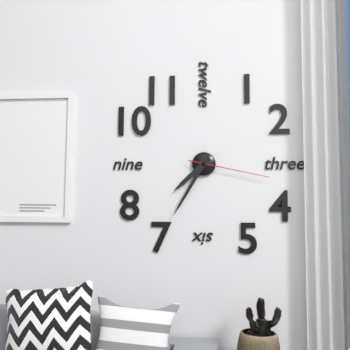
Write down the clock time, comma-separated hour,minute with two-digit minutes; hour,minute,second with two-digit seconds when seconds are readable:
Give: 7,35,17
